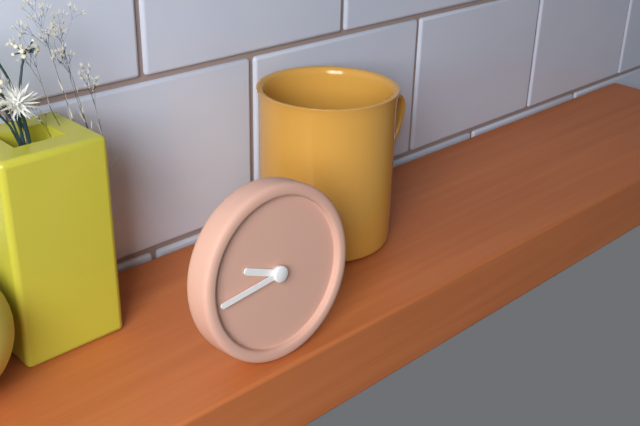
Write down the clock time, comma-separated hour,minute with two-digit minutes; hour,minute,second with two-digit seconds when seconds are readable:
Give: 9,44
